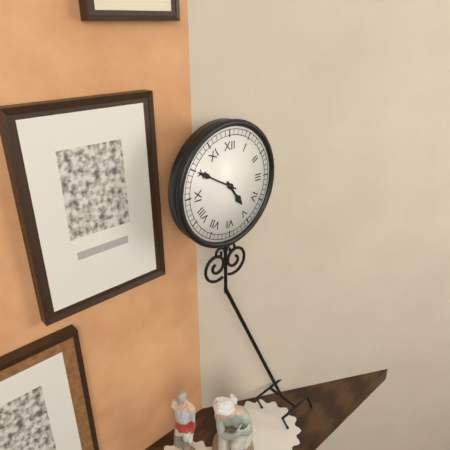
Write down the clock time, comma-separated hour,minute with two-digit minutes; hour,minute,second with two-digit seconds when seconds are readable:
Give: 4,50
